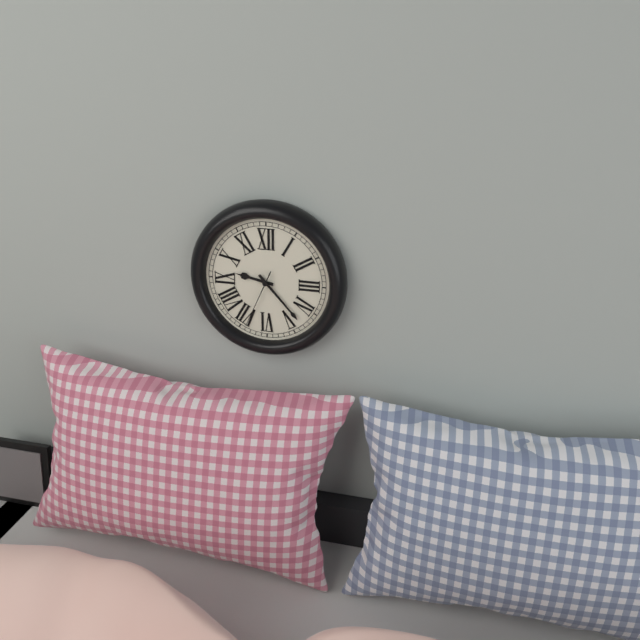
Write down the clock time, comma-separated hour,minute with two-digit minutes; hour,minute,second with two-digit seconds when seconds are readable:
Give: 9,23,34
